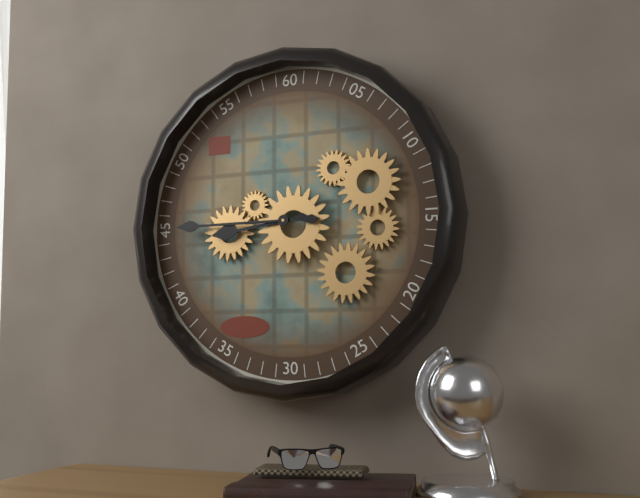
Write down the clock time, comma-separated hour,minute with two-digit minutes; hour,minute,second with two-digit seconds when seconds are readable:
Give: 8,45
